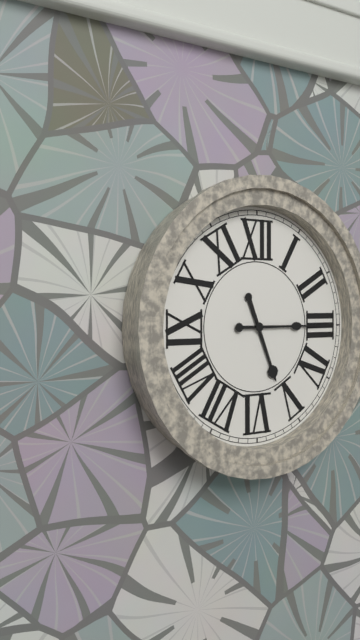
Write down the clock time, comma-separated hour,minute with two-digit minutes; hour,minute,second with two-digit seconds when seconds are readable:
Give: 5,15
